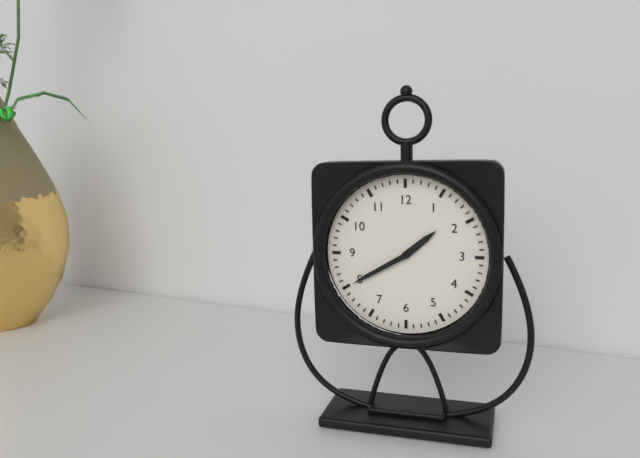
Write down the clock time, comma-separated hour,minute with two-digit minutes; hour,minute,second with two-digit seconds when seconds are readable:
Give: 1,40
